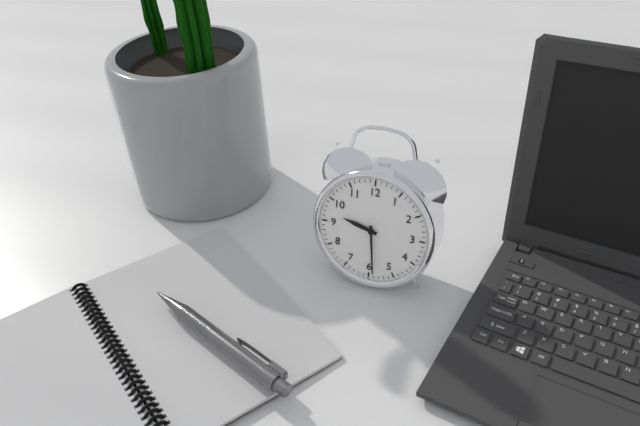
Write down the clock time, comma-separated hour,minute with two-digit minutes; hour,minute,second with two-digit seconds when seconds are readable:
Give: 9,29
